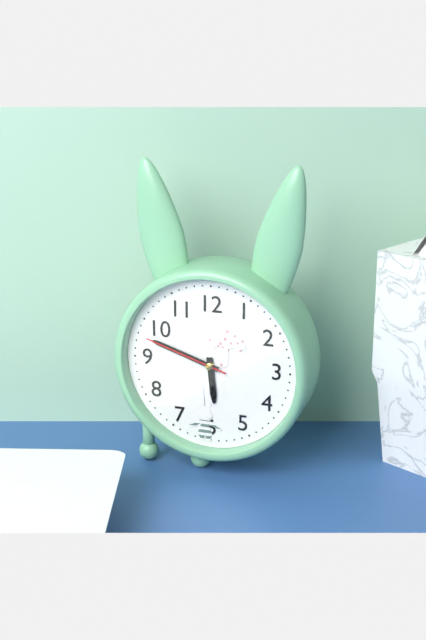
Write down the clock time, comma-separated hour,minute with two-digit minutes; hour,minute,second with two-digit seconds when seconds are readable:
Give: 5,48,48
